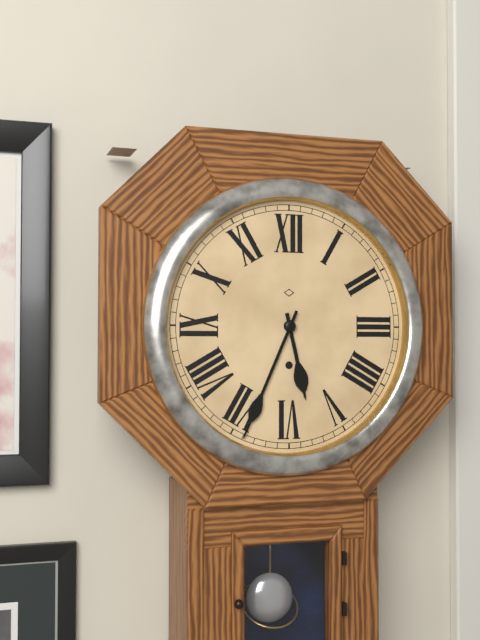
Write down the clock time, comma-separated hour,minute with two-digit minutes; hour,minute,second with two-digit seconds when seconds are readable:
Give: 5,34
